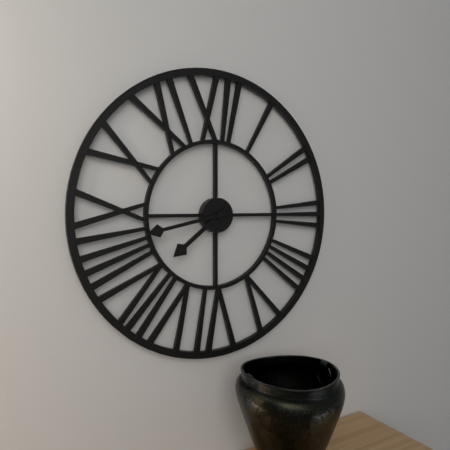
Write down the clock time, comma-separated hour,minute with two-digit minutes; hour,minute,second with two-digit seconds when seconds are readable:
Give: 7,43
